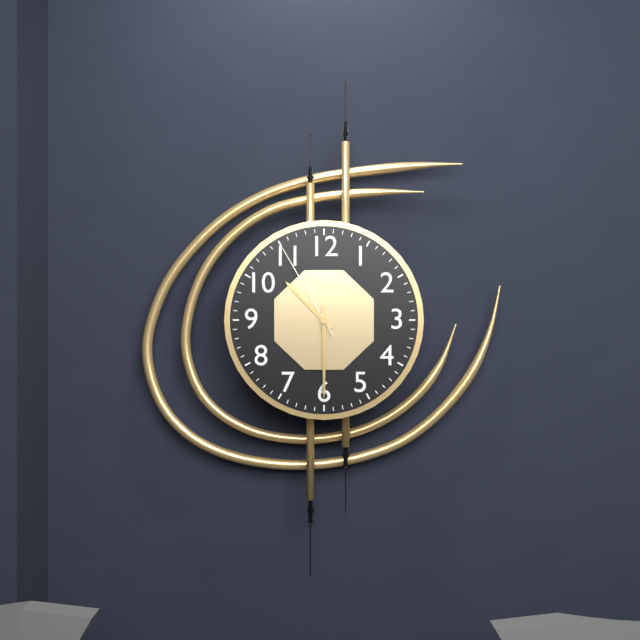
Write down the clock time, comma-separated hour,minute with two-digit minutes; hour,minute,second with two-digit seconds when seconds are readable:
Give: 10,30,55
